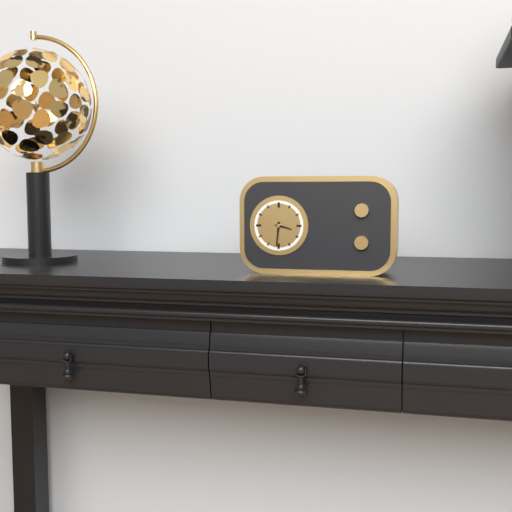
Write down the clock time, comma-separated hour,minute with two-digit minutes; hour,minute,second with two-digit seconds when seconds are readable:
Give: 3,31
